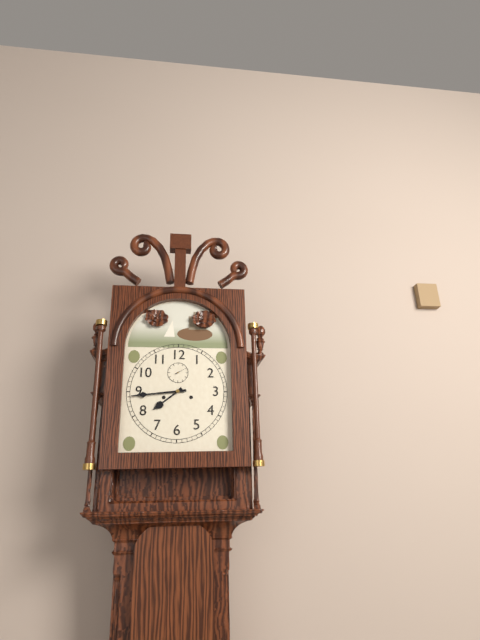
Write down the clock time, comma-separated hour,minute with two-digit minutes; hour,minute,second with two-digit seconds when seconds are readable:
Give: 7,44
